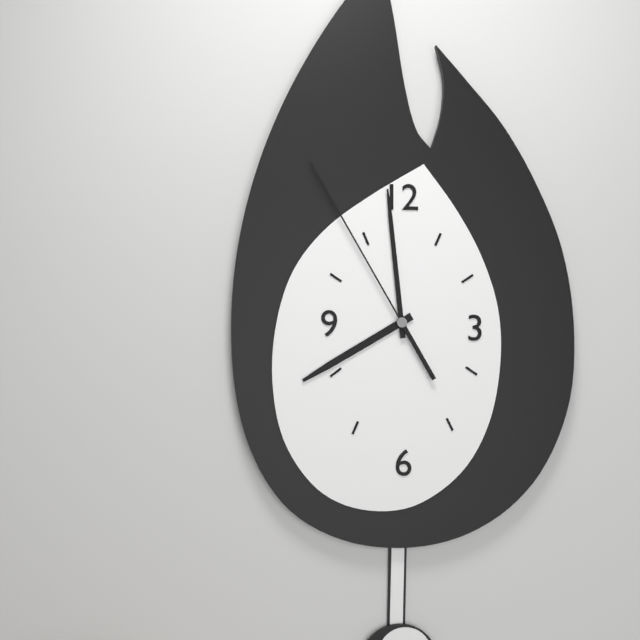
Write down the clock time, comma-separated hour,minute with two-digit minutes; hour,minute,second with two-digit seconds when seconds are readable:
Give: 7,59,55
